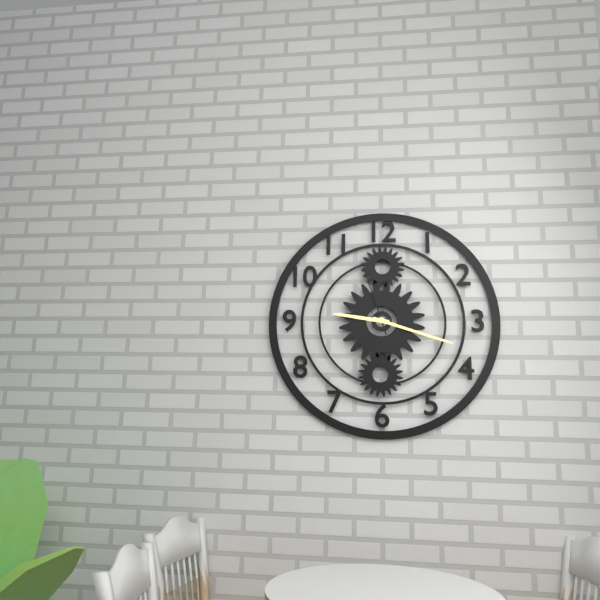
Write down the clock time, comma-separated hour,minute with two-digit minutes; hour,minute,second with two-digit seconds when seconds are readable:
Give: 9,18,57
